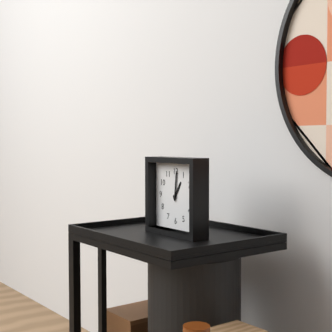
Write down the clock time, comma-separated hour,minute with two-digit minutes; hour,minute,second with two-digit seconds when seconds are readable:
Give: 1,01
